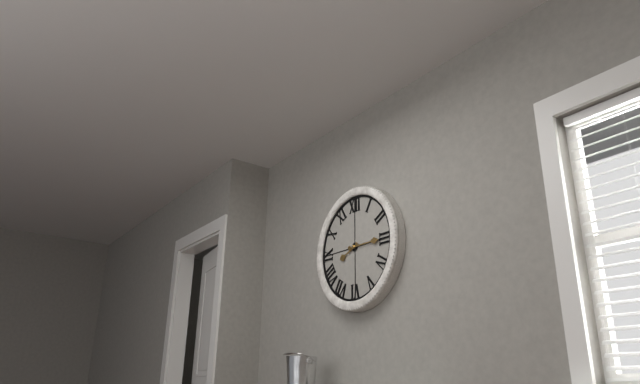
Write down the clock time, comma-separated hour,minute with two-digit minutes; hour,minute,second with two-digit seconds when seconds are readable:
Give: 8,15
